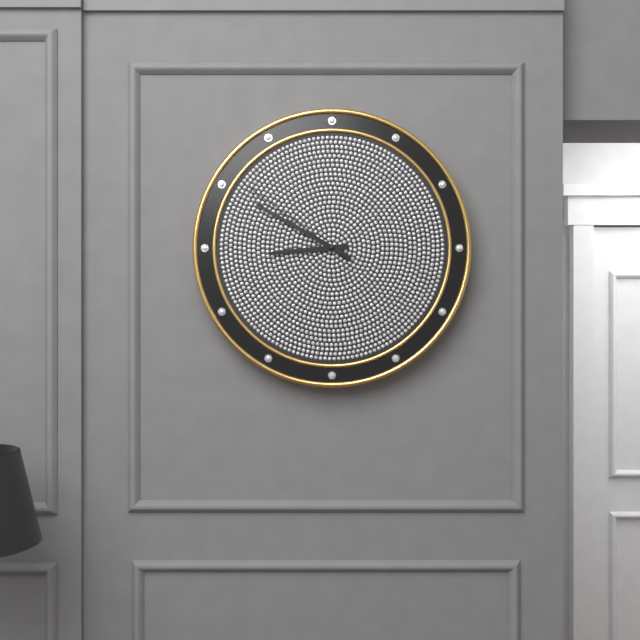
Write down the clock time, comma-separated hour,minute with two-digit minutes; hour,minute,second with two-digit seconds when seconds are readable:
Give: 8,50,51
